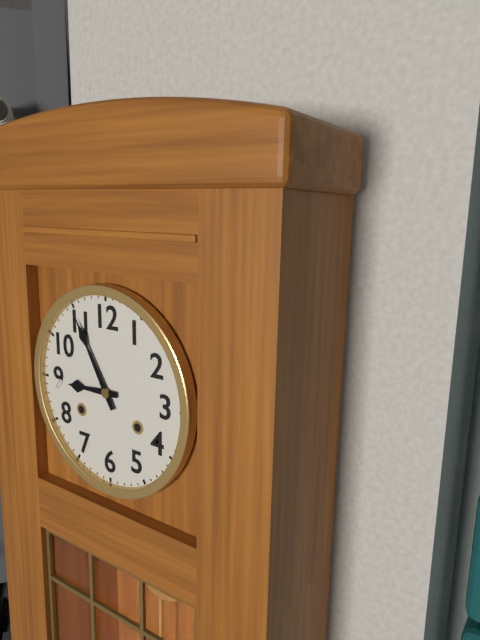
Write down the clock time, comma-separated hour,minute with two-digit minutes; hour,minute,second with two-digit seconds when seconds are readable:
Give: 8,55
